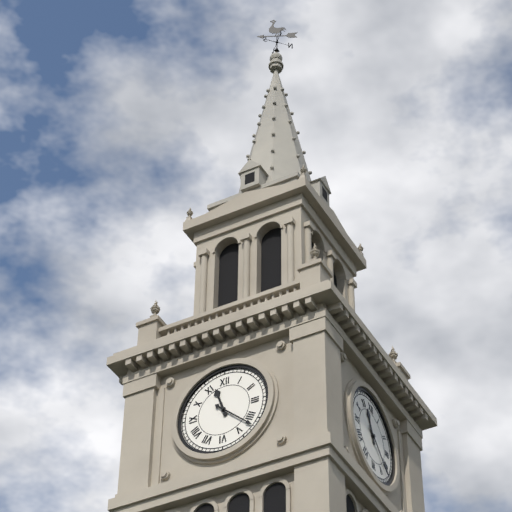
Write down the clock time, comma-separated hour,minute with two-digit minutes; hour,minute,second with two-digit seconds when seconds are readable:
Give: 11,22
